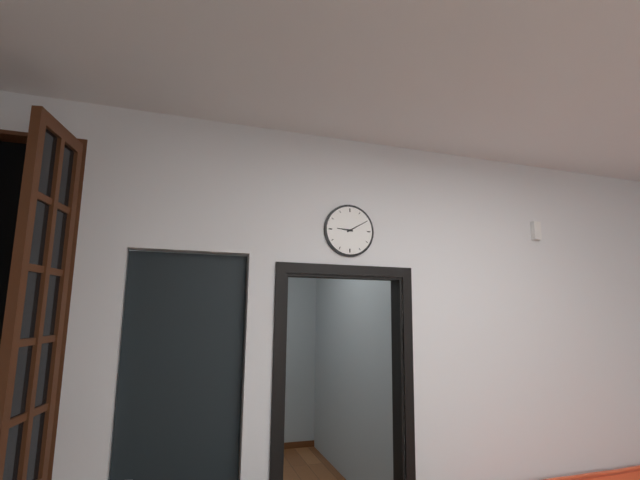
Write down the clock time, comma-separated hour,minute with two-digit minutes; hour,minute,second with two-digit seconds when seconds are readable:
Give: 9,10
